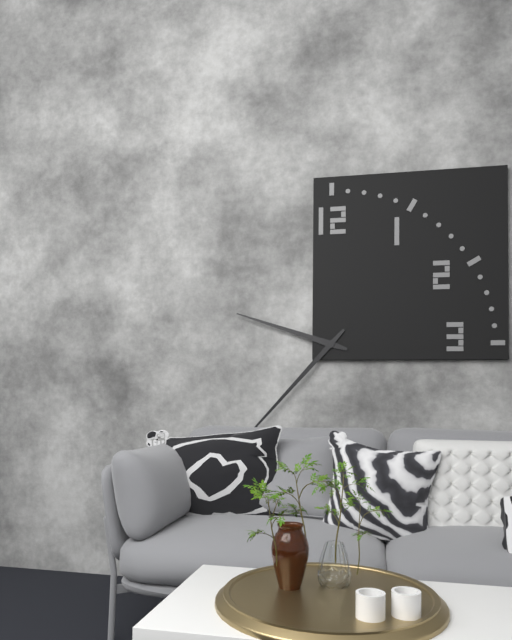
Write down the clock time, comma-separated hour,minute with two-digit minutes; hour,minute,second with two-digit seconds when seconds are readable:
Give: 9,37
